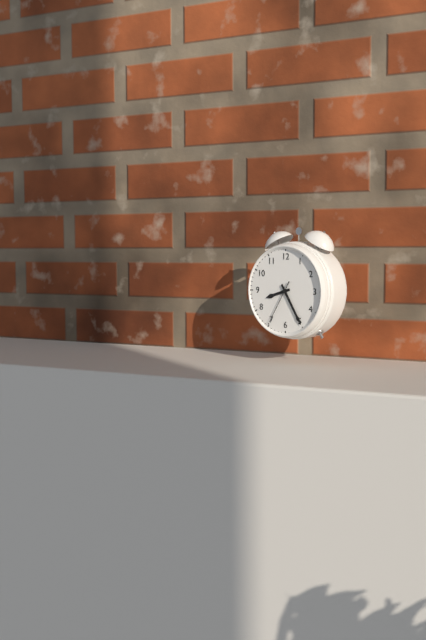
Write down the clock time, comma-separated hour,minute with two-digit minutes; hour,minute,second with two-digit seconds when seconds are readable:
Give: 8,25
